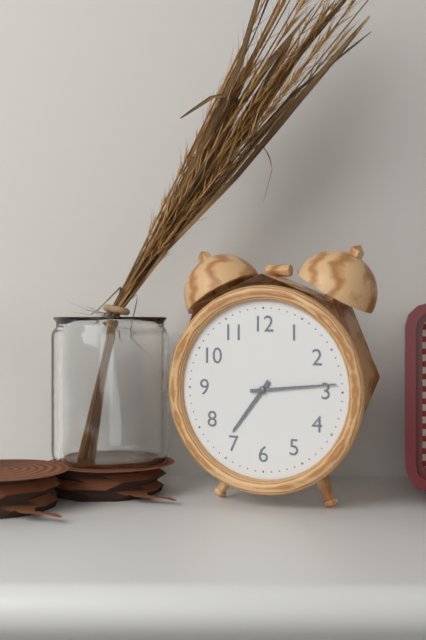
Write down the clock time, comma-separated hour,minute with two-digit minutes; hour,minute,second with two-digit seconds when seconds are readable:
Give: 7,14
